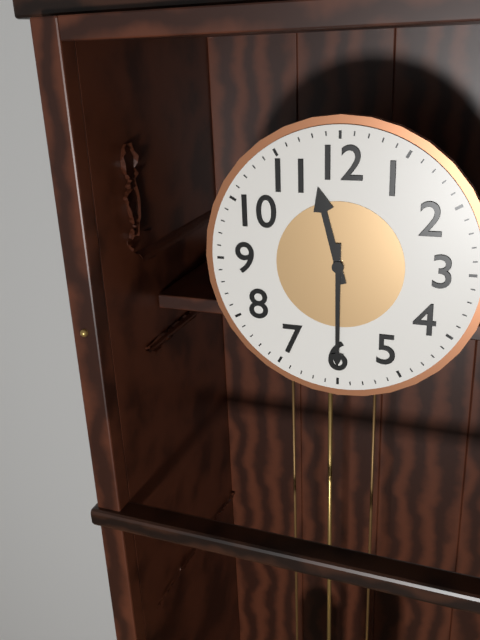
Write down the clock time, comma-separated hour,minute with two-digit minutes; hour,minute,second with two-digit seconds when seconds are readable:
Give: 11,30
